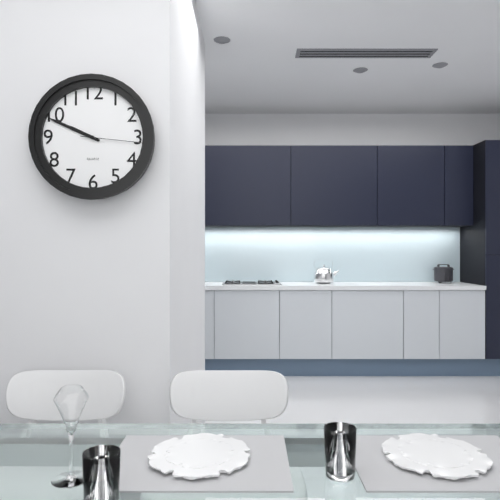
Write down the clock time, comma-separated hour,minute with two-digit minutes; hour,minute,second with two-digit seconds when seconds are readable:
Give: 9,49,16
